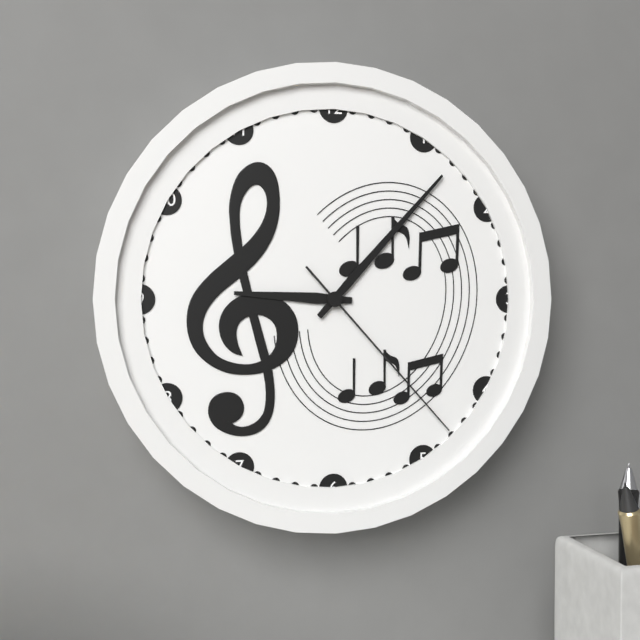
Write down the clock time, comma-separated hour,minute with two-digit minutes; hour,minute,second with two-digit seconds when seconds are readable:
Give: 9,07,23
